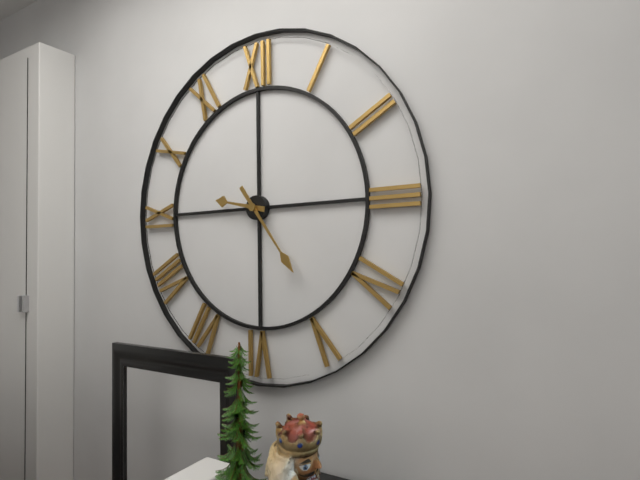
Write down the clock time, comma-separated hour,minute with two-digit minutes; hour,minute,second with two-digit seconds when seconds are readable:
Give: 9,24
